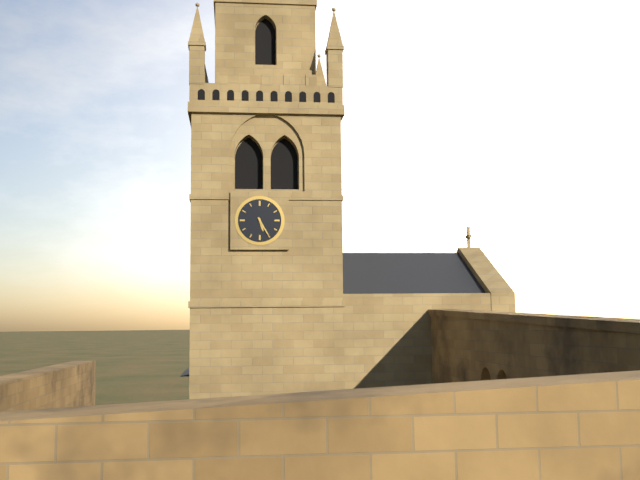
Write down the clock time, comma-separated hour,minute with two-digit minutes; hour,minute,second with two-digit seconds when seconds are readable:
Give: 5,25
